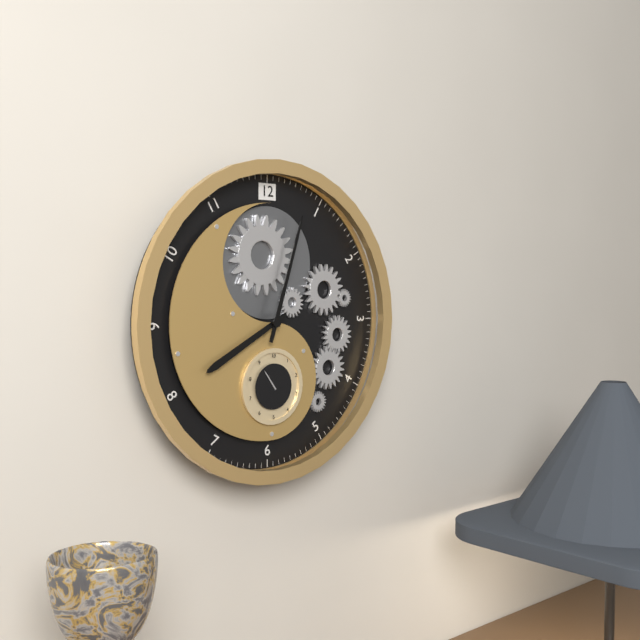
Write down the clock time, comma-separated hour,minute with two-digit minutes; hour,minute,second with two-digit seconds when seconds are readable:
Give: 8,03
